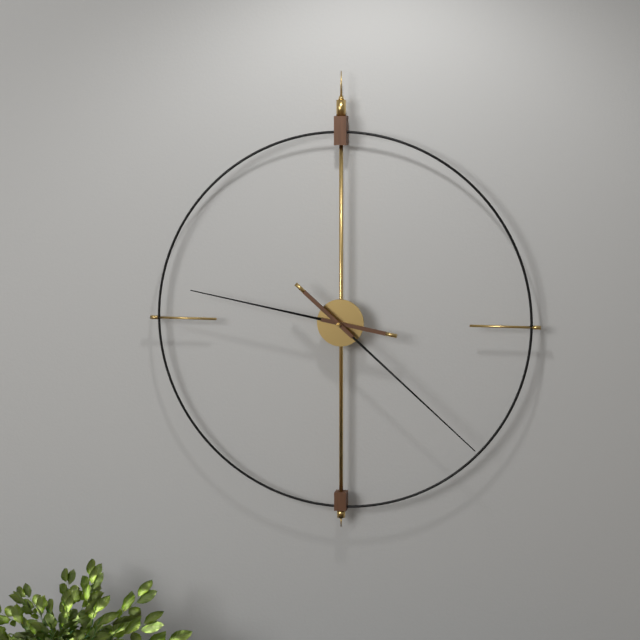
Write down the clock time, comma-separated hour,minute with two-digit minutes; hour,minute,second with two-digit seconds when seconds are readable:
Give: 9,22
